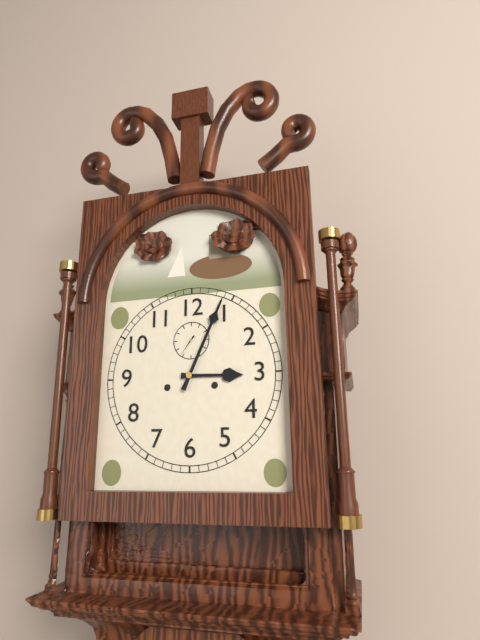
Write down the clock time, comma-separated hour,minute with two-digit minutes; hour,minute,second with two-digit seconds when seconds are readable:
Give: 3,04
